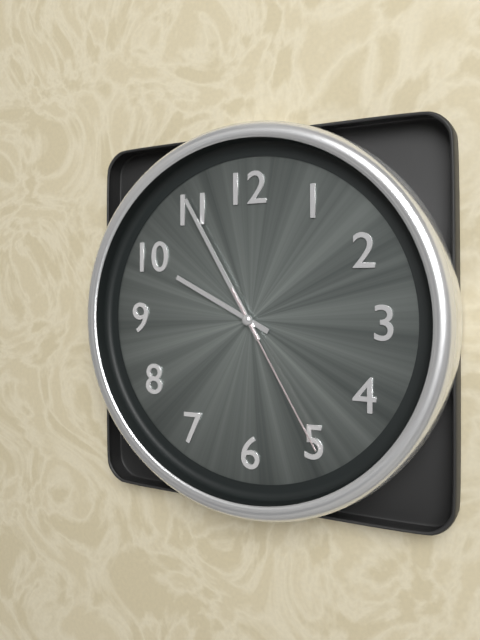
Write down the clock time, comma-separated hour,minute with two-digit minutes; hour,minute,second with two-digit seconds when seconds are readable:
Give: 9,55,25
